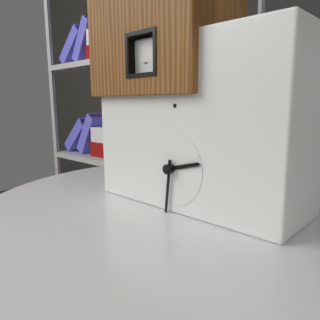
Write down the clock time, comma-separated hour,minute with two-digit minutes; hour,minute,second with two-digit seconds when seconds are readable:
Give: 2,31
